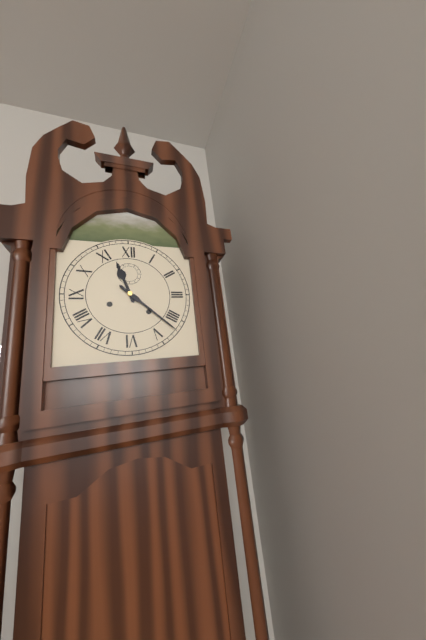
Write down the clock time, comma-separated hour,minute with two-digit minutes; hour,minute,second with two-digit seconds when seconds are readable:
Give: 11,22
